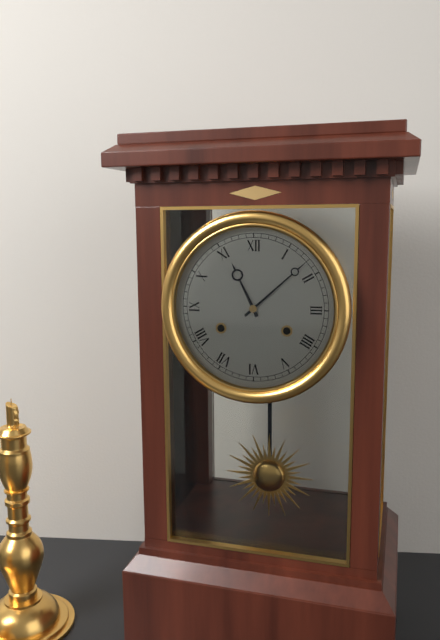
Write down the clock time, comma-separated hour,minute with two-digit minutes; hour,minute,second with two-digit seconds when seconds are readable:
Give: 11,08
